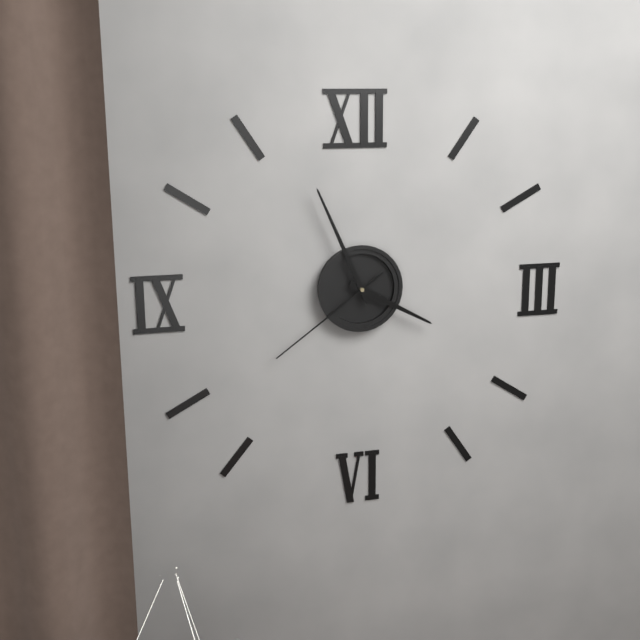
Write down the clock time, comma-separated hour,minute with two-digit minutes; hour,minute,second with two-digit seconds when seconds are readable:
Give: 3,56,39
